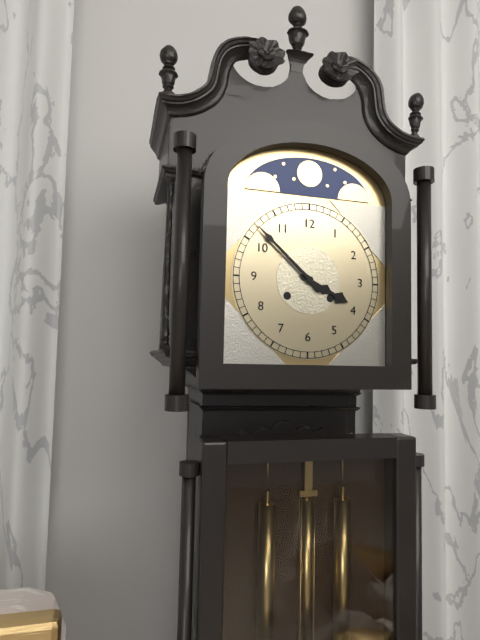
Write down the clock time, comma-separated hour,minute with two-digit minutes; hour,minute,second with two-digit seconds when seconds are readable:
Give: 3,52
